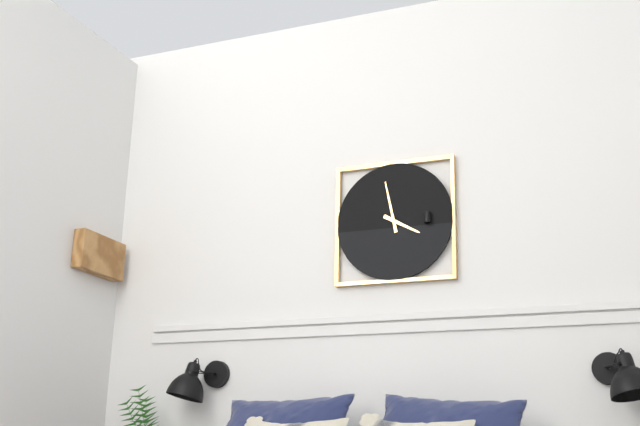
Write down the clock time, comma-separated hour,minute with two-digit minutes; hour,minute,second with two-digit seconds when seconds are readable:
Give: 3,58
